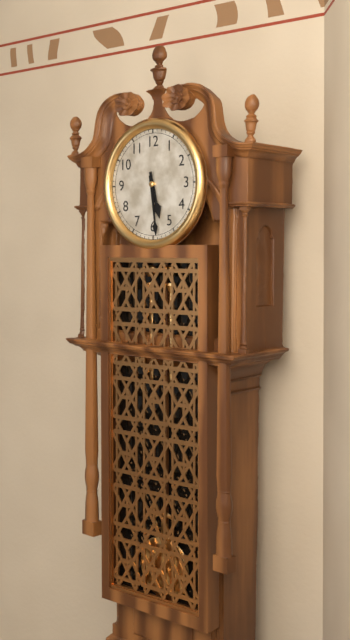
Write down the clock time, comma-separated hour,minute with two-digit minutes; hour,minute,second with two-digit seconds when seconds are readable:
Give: 5,29
